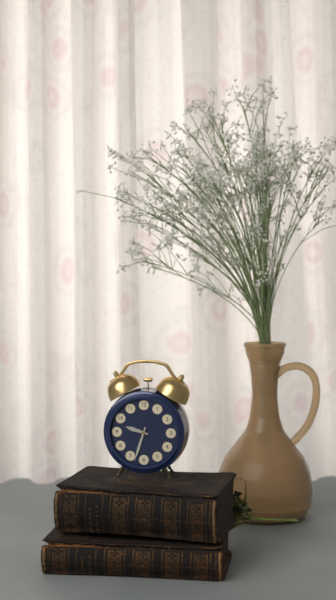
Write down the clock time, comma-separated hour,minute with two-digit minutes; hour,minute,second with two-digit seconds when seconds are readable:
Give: 9,33
